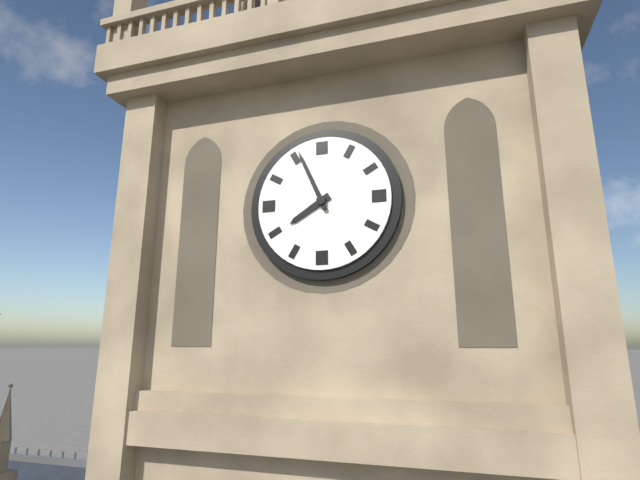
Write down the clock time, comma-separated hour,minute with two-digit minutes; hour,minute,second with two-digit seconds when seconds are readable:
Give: 7,56
